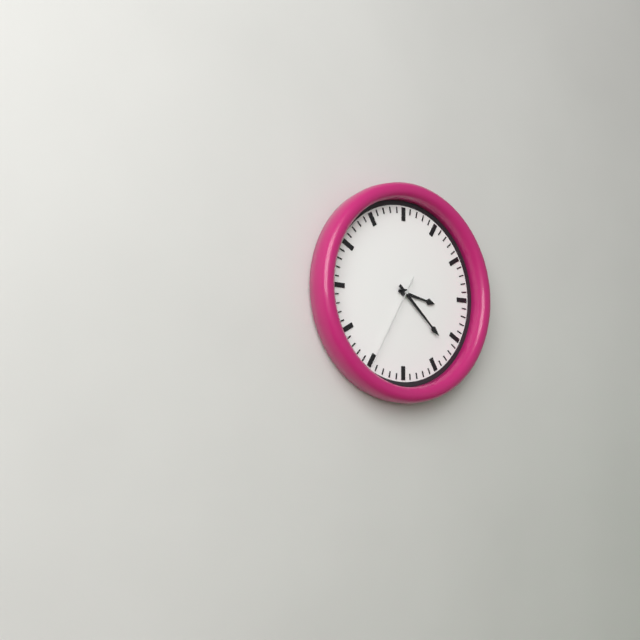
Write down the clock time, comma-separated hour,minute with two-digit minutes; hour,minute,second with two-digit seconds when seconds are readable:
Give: 3,22,35
